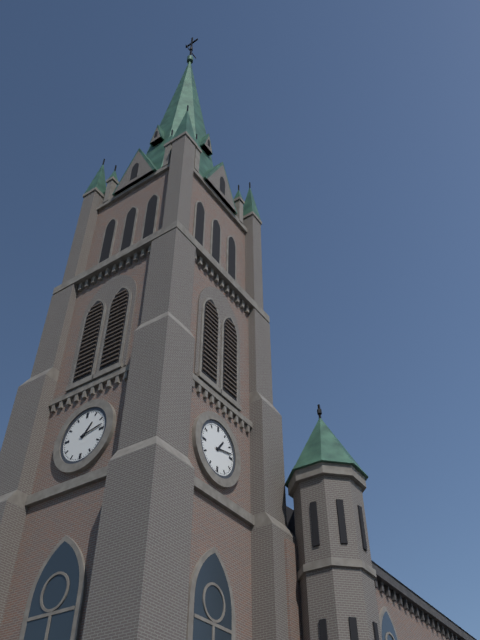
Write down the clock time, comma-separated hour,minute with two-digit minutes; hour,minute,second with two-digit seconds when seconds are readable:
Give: 1,13
